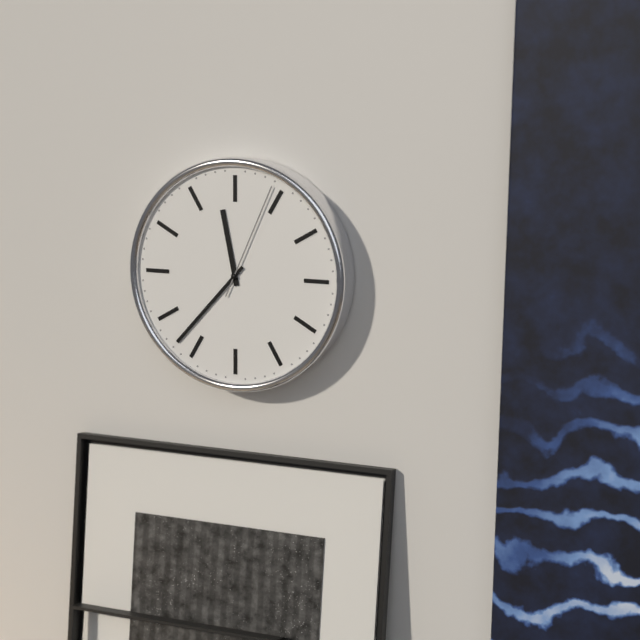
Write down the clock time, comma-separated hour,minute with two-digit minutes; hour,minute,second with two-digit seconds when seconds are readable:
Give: 11,37,04
